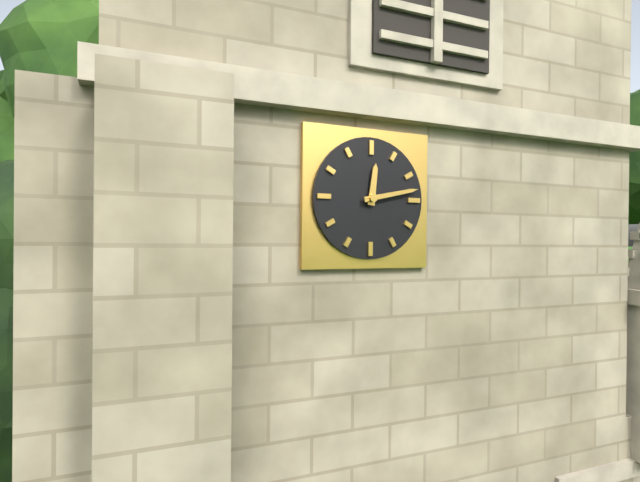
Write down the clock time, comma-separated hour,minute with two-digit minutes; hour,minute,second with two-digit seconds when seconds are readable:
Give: 12,13
